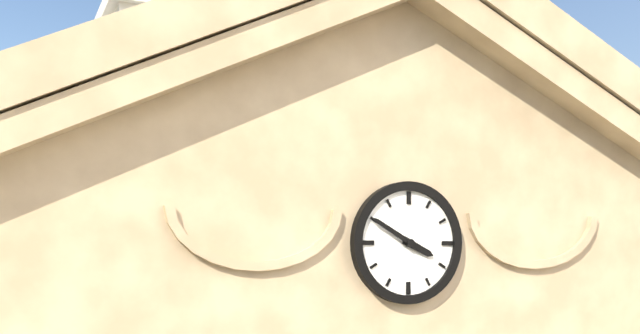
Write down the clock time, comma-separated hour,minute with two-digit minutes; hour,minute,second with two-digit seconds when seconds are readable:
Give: 3,50
